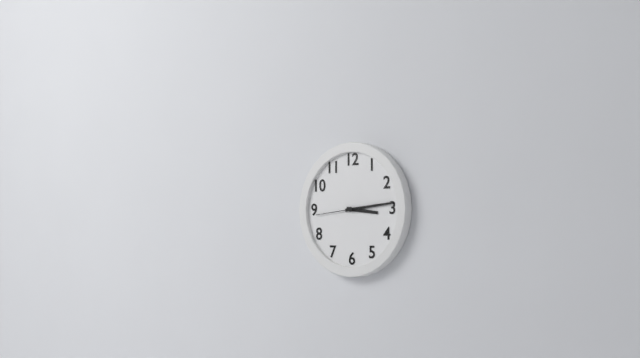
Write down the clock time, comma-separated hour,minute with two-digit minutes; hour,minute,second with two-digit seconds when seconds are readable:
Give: 3,14
